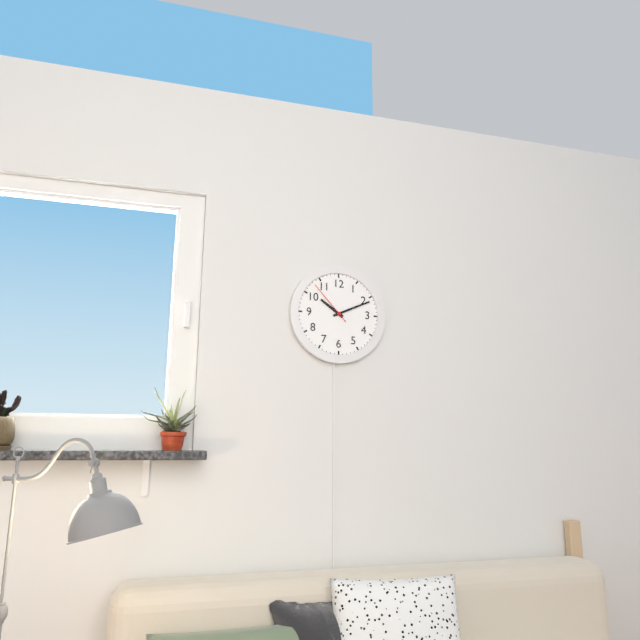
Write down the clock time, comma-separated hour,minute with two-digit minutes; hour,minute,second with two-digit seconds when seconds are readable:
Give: 10,11
